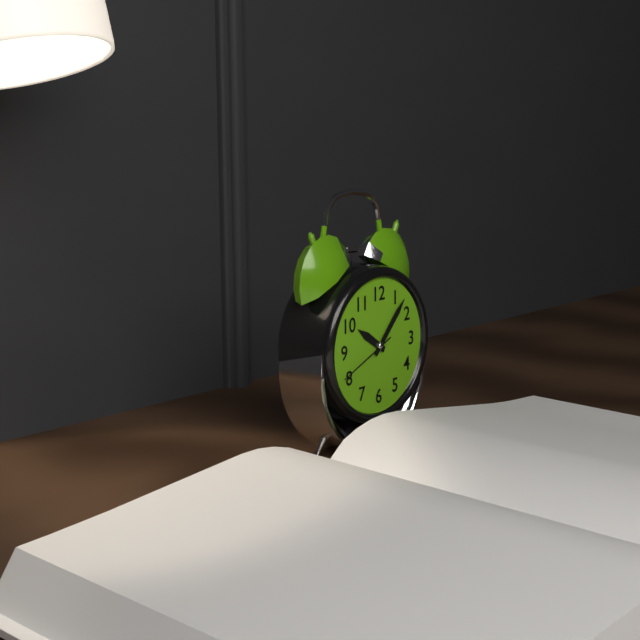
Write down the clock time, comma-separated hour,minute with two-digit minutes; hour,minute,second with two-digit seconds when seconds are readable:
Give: 10,07,41
